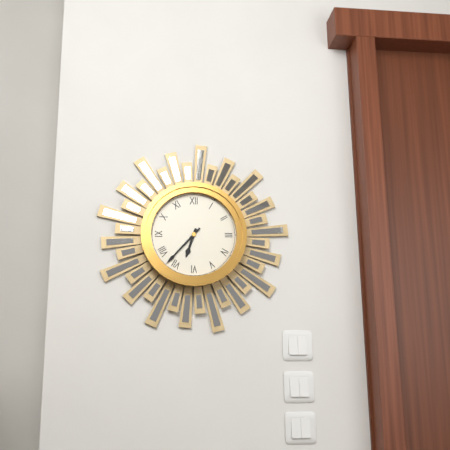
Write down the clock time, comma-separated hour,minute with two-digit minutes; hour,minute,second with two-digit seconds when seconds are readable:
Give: 6,37
